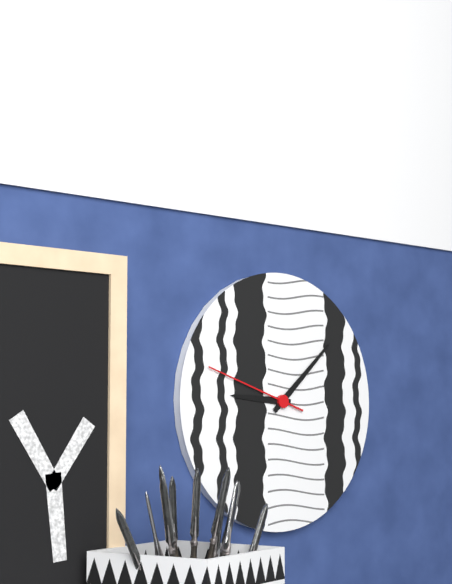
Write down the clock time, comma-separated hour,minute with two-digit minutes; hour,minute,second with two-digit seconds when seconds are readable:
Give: 9,08,48
